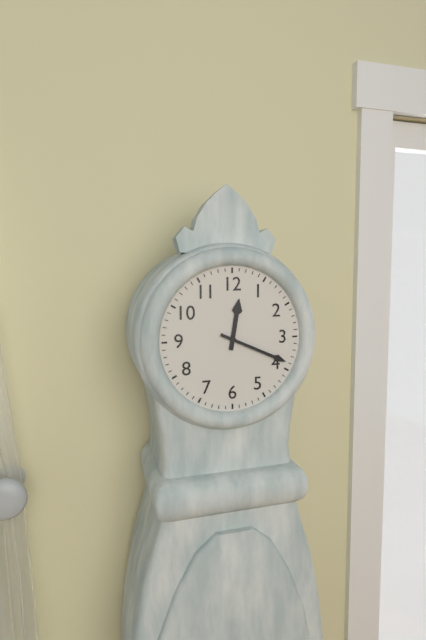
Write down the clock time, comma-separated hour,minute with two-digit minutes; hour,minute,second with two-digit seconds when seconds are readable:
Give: 12,19
